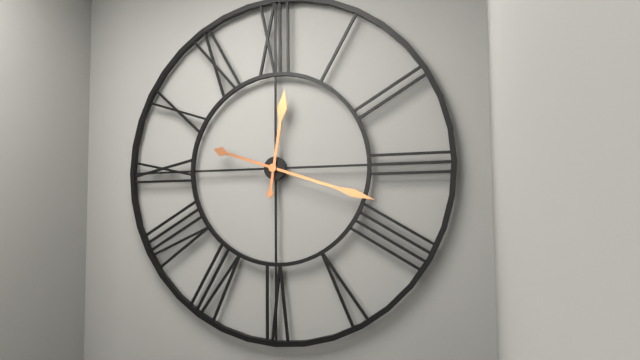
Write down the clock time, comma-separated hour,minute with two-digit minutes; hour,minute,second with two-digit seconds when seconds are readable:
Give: 12,18
